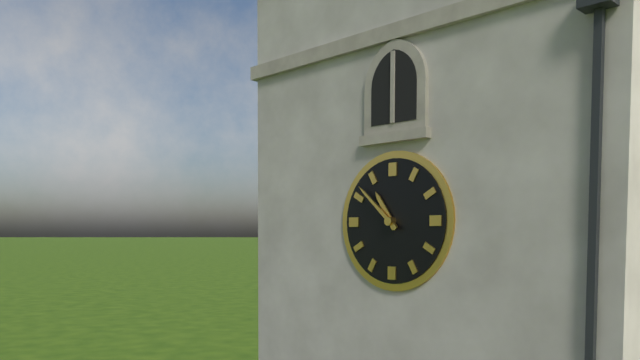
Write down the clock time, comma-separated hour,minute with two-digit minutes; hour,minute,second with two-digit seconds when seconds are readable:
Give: 10,52
